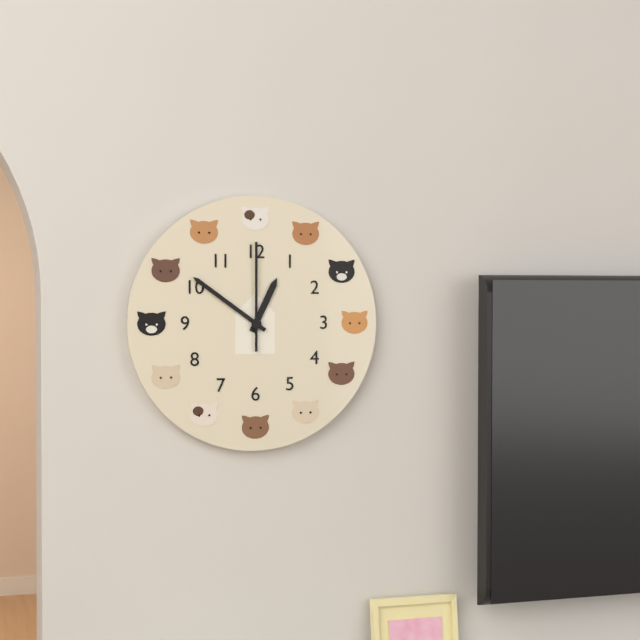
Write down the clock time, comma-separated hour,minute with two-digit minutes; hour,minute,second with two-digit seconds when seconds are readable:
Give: 12,51,00
